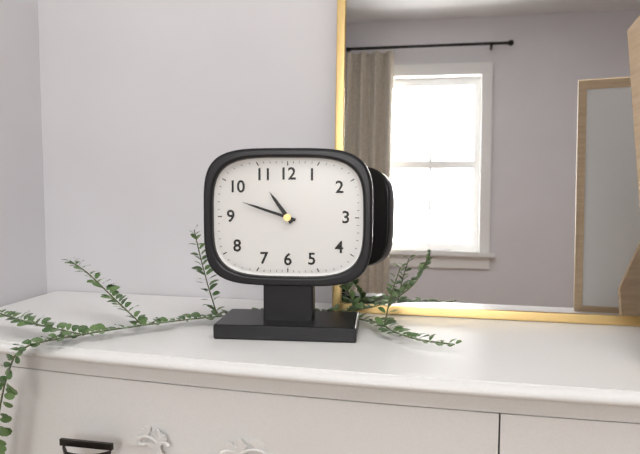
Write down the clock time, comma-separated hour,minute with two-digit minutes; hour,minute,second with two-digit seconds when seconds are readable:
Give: 10,48
